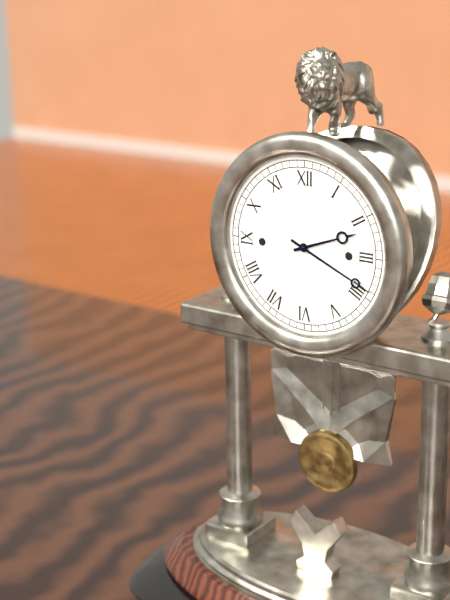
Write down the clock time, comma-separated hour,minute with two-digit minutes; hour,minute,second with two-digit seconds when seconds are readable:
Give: 2,19
